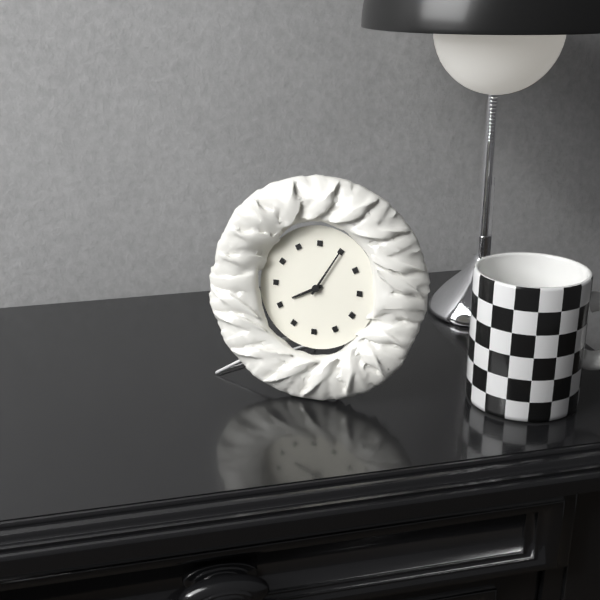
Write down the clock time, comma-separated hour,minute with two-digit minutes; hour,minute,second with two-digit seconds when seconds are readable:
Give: 8,05
